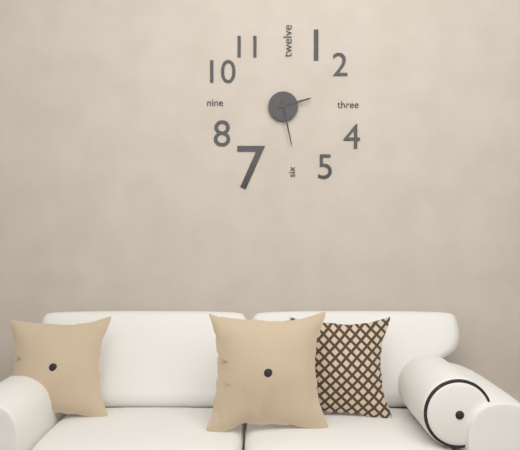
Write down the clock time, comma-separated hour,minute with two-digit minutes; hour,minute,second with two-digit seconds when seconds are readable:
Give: 2,28
